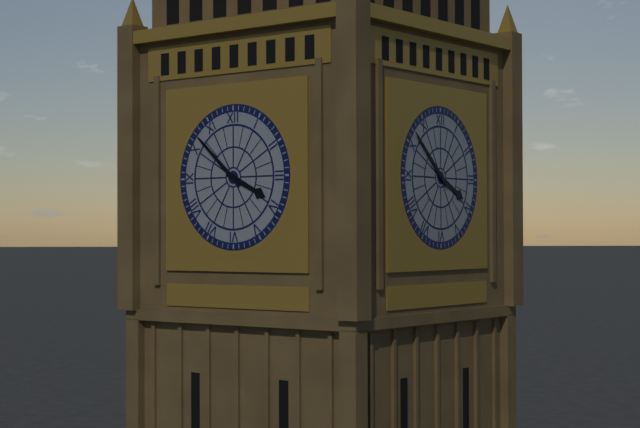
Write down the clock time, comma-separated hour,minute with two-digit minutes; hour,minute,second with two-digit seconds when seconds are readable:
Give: 3,52
